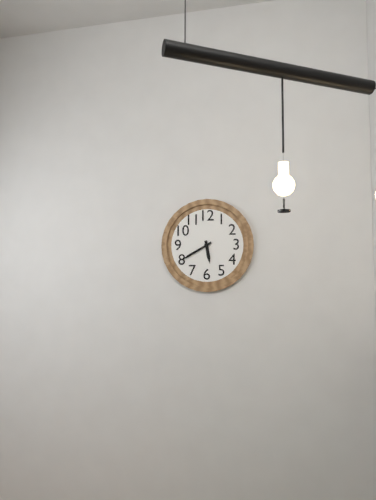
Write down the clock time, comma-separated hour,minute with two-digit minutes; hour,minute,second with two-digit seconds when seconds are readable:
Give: 5,40
